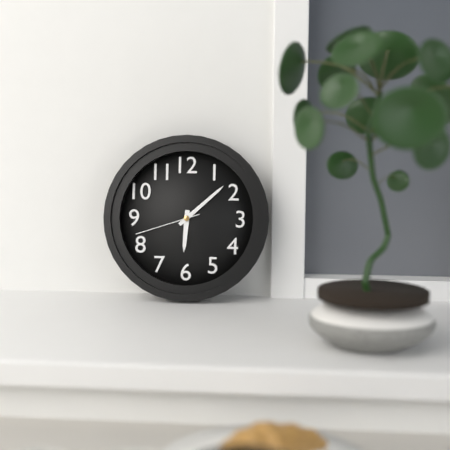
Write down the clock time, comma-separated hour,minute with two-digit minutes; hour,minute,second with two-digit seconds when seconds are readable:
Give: 6,08,42
